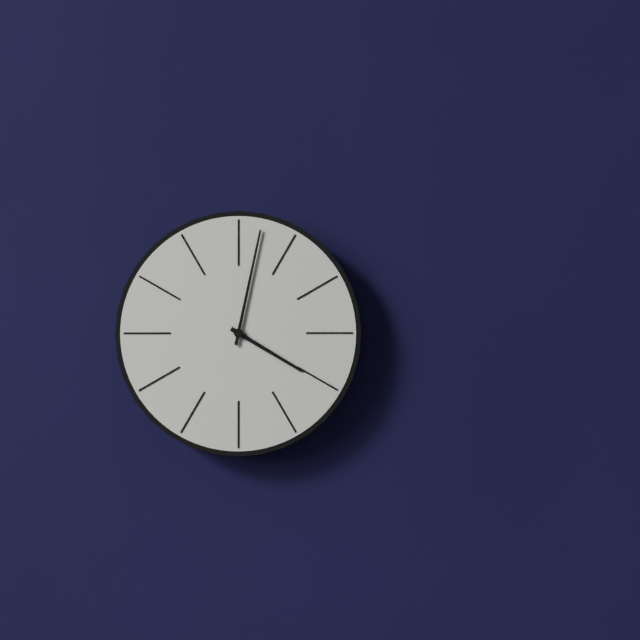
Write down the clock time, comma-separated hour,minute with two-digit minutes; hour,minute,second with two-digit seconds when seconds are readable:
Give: 4,02
